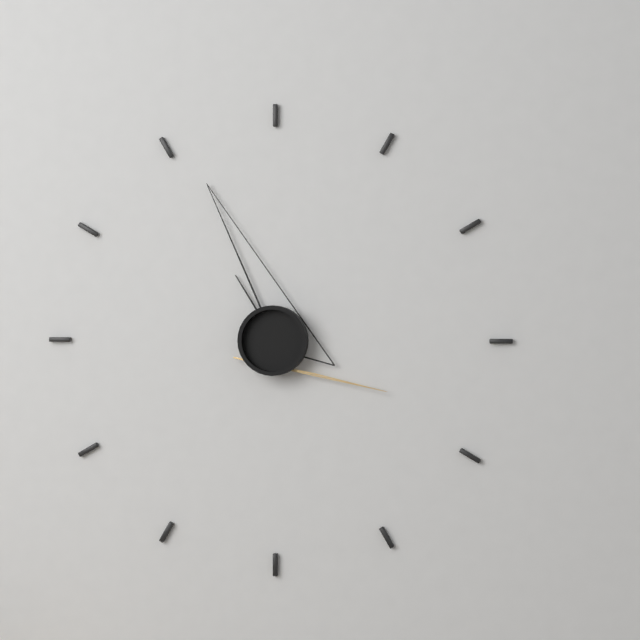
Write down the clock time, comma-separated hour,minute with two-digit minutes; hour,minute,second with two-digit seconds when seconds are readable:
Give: 10,56,19
